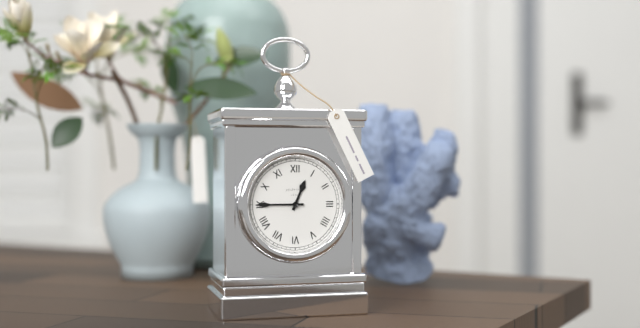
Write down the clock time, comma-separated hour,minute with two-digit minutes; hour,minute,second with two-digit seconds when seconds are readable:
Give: 12,45
